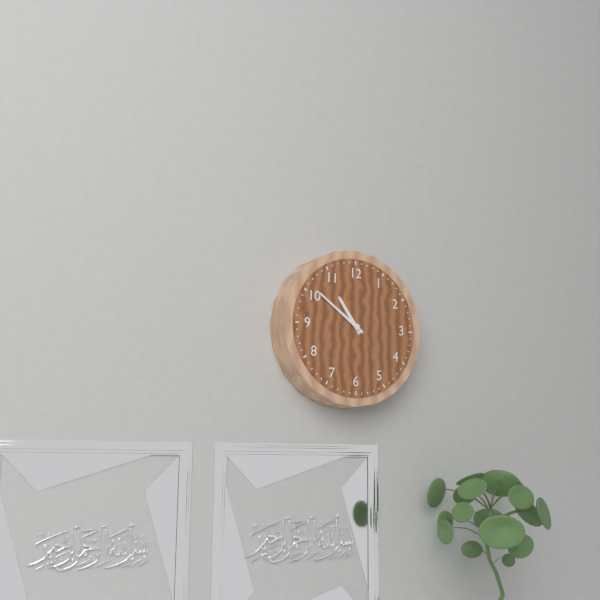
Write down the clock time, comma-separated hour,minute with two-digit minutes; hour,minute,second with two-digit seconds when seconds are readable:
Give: 10,51
